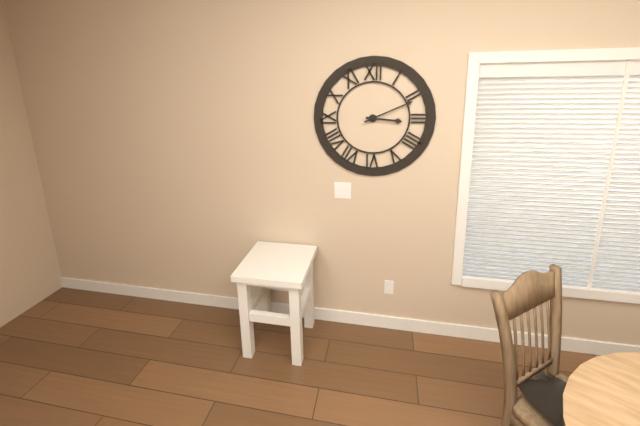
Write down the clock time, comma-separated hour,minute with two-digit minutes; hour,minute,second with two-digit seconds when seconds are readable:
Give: 3,11
